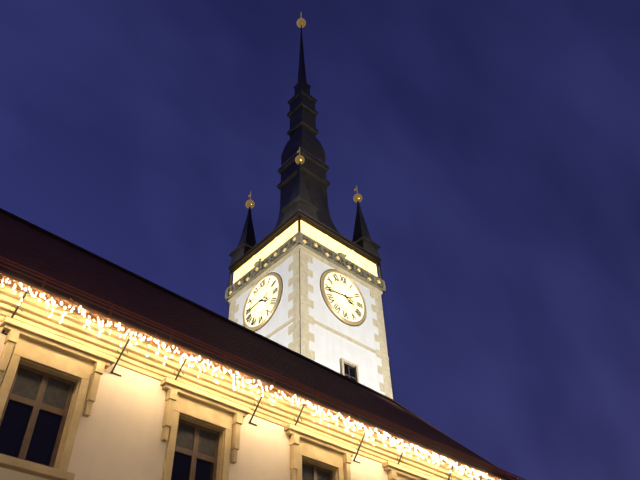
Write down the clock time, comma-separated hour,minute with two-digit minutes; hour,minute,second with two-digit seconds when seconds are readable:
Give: 3,44
